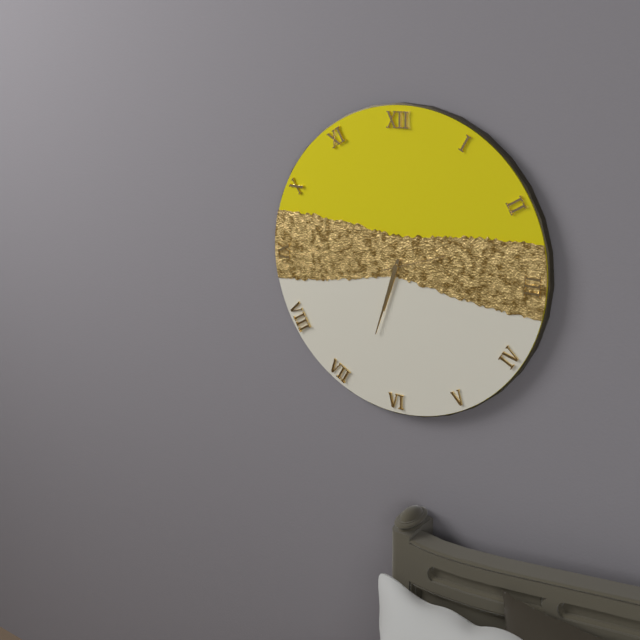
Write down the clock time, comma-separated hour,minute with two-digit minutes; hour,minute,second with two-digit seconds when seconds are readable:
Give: 6,33,12
